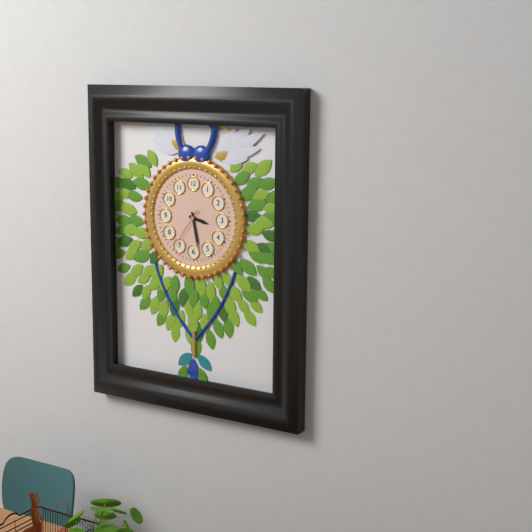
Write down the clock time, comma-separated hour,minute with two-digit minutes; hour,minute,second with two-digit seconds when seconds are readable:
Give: 3,28
